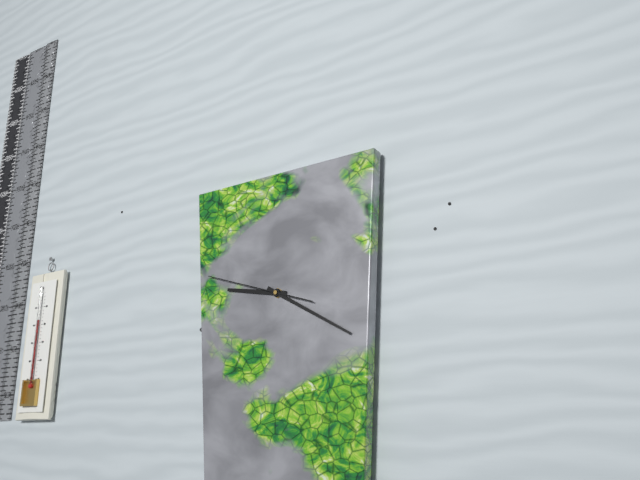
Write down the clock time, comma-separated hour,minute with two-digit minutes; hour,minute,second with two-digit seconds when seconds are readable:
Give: 9,20,48
